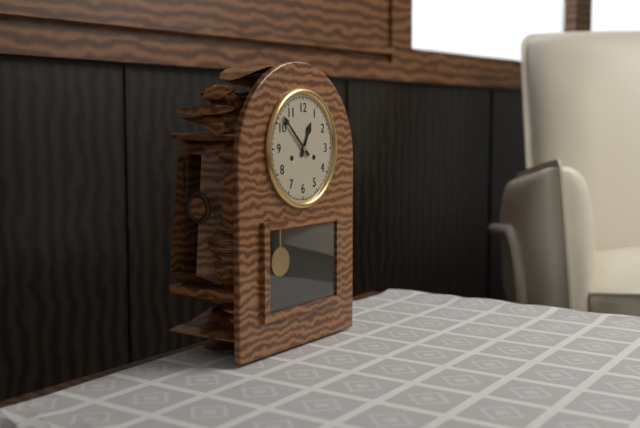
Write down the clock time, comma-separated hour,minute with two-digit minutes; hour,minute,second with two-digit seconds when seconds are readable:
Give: 12,52
